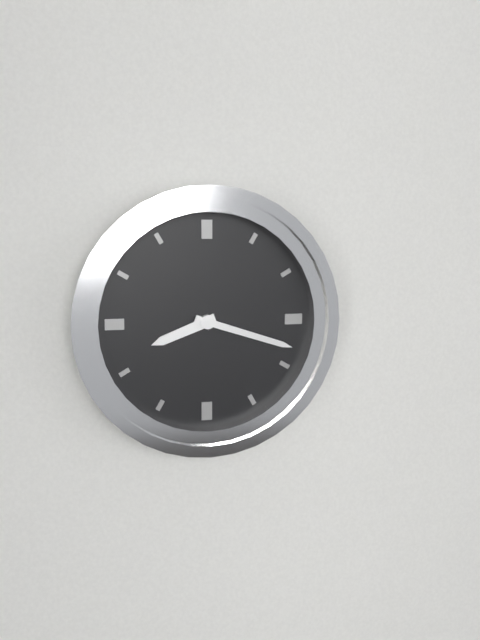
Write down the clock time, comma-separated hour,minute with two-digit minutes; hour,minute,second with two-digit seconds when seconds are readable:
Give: 8,18
